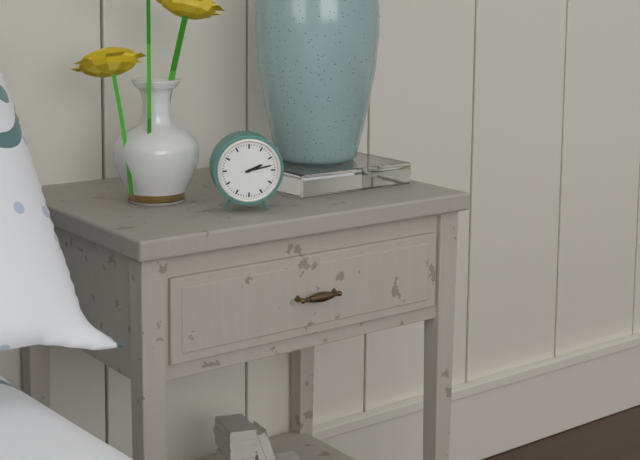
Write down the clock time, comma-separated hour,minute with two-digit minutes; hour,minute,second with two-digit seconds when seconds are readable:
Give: 2,13
